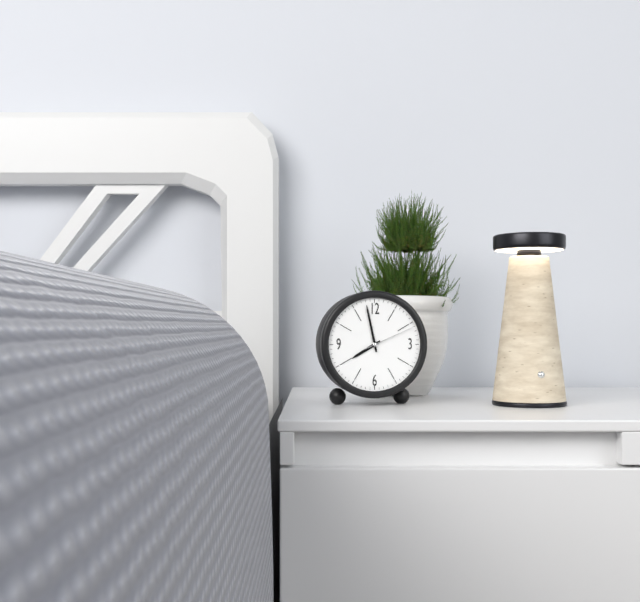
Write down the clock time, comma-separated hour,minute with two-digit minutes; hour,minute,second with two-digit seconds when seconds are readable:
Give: 7,58,11
